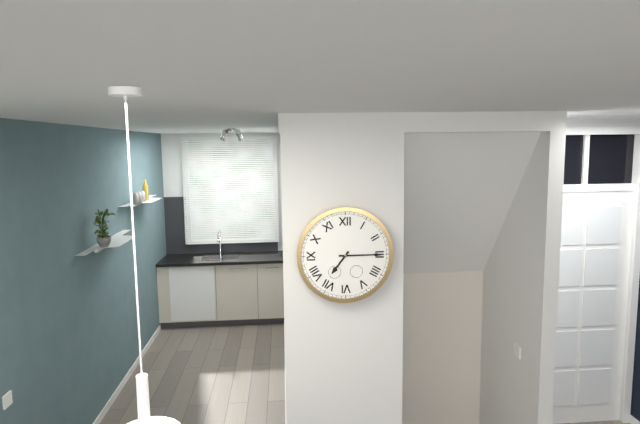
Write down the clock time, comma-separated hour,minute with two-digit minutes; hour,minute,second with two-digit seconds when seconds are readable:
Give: 7,15
